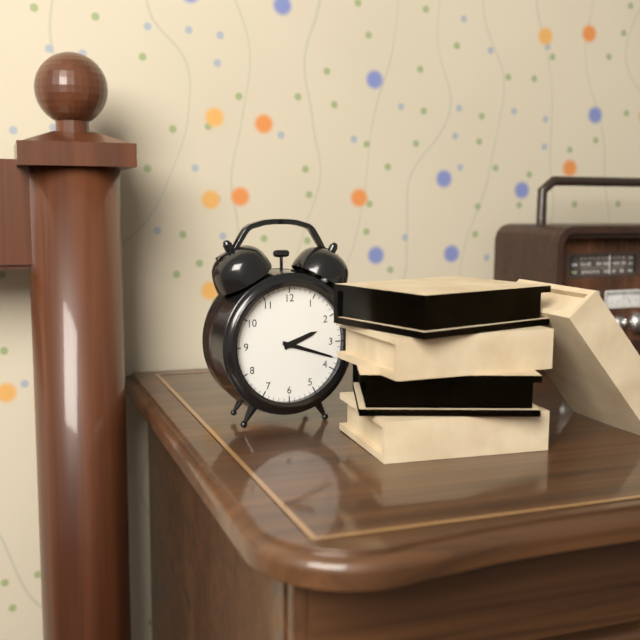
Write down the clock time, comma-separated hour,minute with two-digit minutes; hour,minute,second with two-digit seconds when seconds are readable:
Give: 2,18
